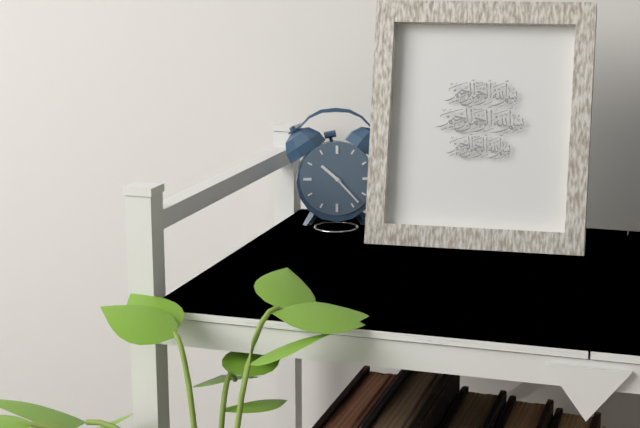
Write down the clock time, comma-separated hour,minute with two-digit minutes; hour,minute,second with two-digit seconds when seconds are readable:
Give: 10,23
